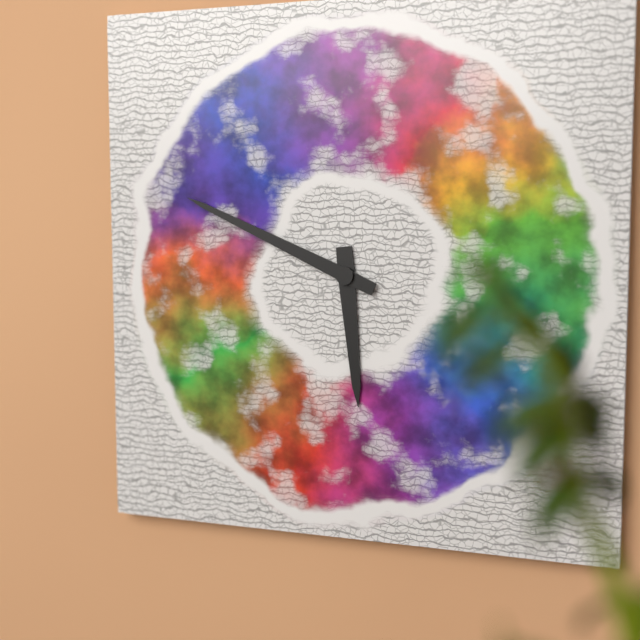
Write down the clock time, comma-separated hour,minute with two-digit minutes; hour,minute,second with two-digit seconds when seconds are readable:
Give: 5,49
